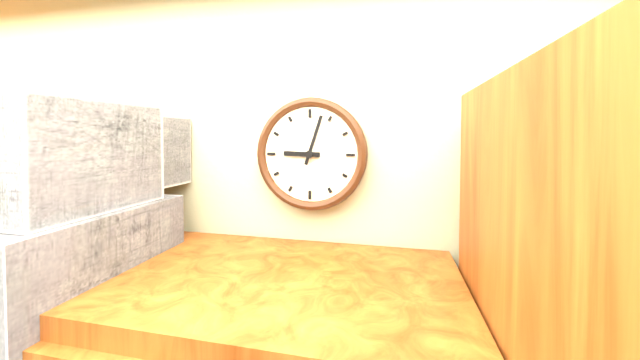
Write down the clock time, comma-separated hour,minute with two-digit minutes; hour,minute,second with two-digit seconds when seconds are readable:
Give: 9,03
